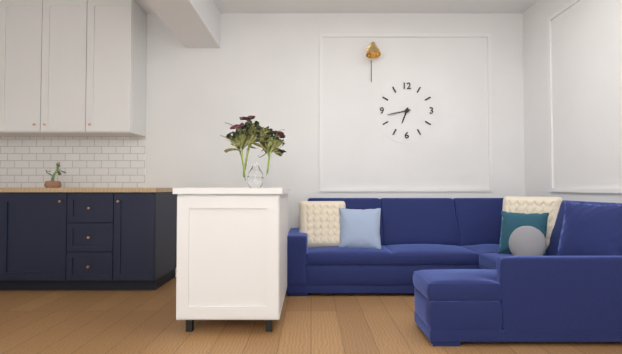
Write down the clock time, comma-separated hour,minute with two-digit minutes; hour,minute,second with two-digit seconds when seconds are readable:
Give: 6,43
